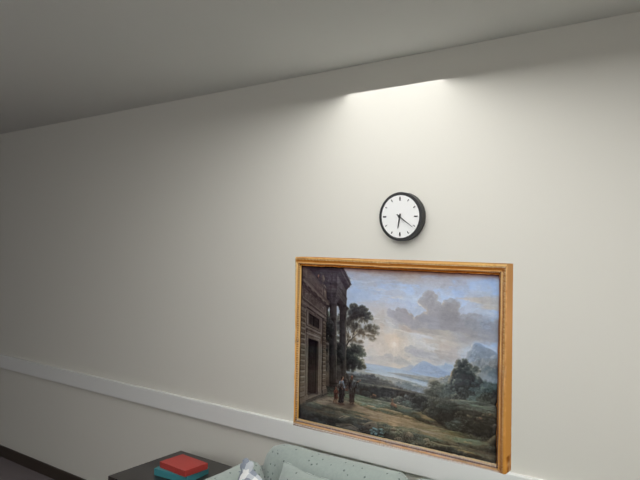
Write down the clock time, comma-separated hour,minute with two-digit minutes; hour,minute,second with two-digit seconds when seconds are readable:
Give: 6,21
